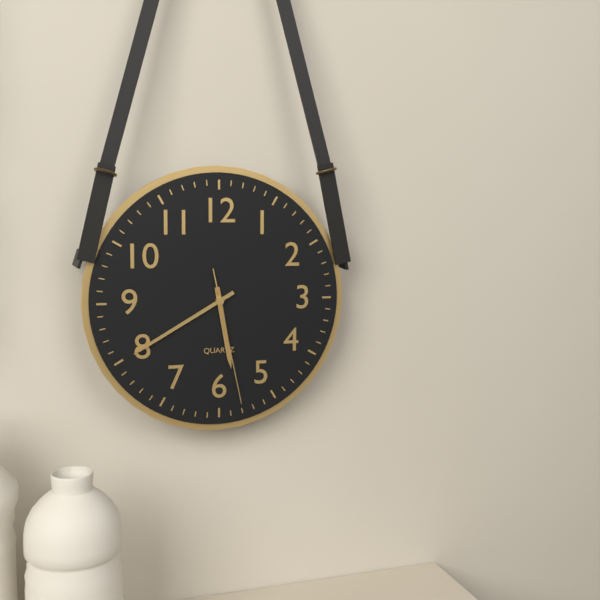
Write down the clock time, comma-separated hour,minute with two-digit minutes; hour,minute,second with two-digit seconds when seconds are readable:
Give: 5,40,28
